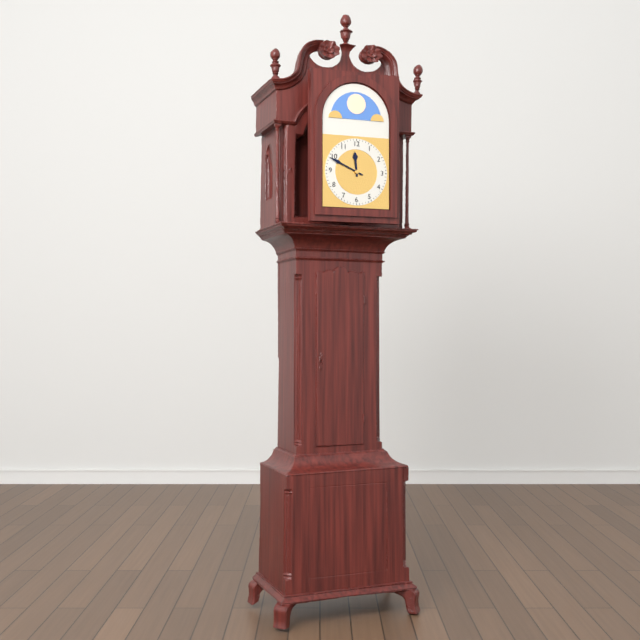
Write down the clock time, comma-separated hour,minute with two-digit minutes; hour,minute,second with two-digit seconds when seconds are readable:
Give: 11,49
